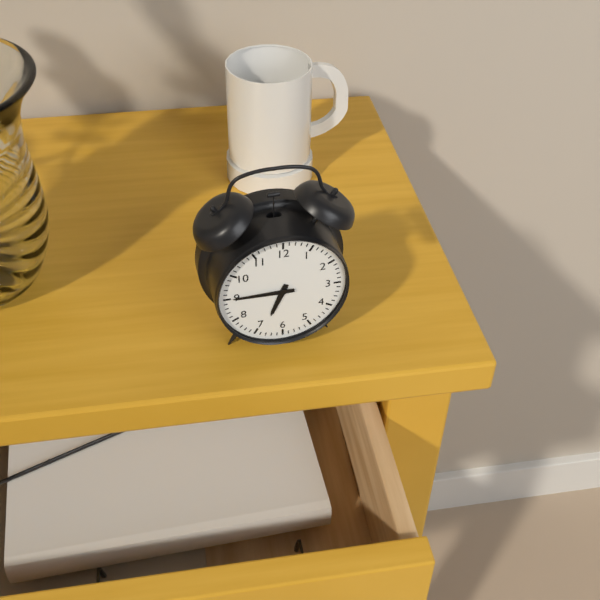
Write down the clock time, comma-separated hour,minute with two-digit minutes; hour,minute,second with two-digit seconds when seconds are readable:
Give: 6,45
